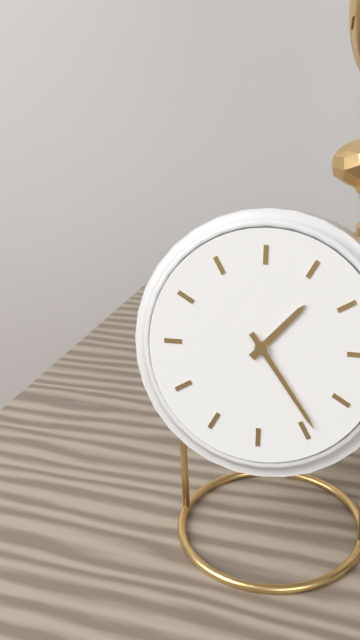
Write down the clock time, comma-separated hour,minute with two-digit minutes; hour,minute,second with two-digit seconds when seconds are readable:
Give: 1,24
